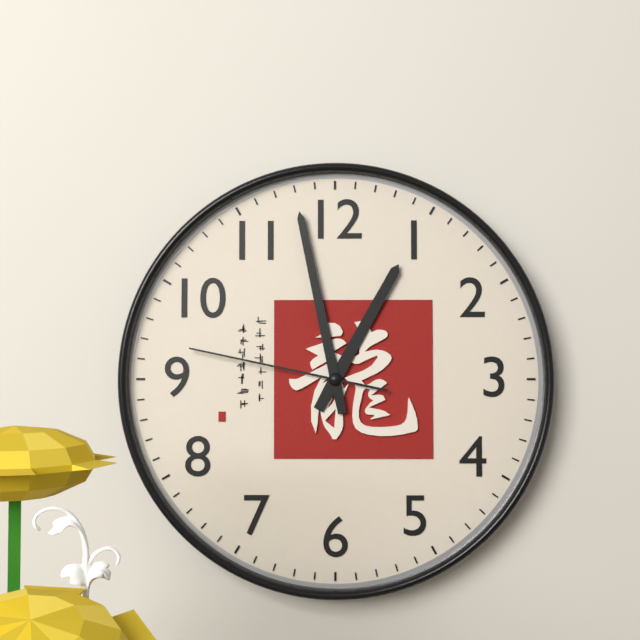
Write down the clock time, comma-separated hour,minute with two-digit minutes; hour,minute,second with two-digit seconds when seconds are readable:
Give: 12,58,47
